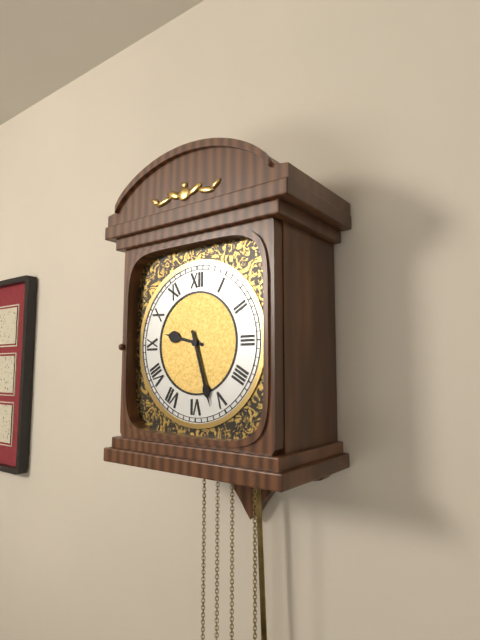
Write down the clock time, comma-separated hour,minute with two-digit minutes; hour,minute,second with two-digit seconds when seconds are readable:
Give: 9,27
